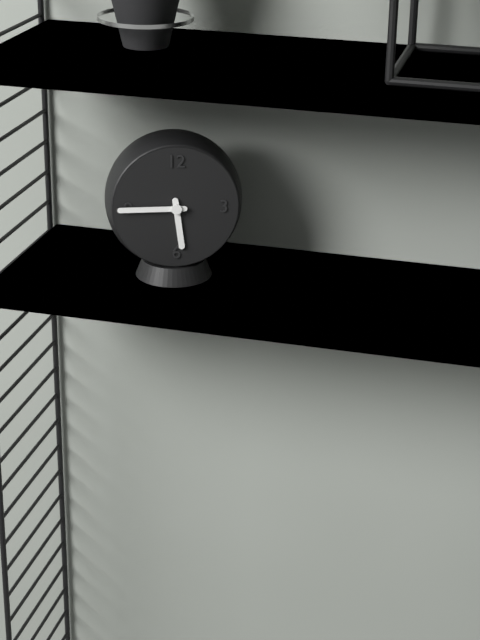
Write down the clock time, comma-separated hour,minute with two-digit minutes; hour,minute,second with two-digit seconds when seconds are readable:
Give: 5,45
